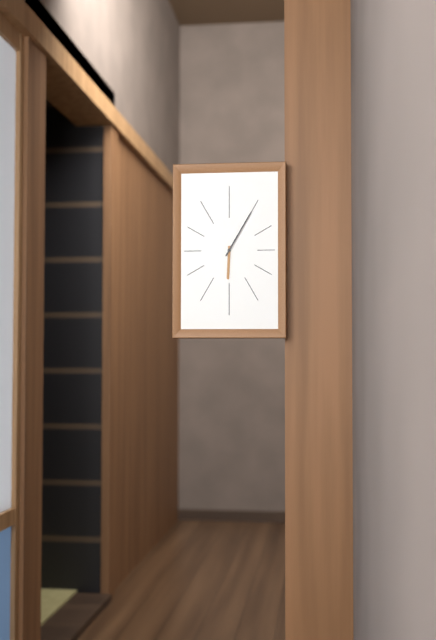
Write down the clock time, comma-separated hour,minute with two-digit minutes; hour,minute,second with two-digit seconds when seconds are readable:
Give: 6,05
